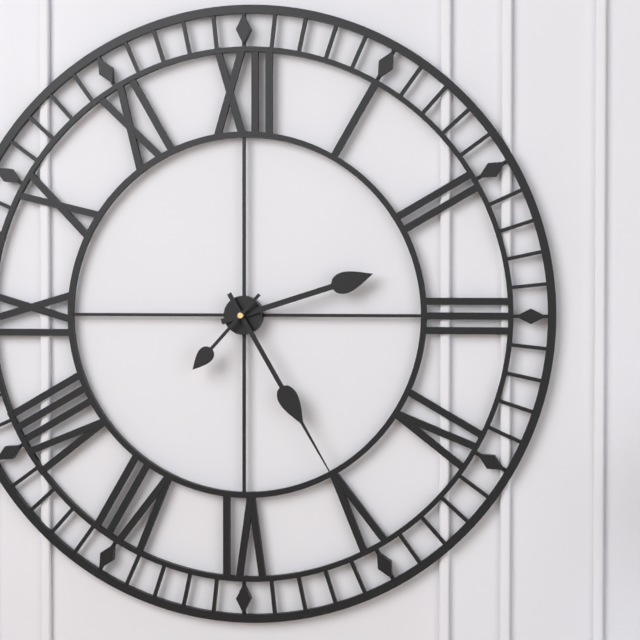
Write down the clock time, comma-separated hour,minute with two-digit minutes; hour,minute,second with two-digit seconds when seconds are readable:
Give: 2,25,37
